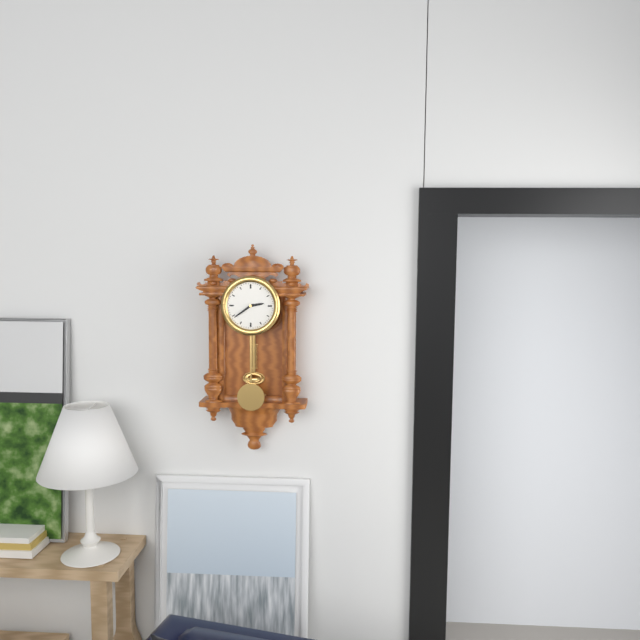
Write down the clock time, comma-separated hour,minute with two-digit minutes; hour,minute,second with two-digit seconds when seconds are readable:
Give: 2,39
